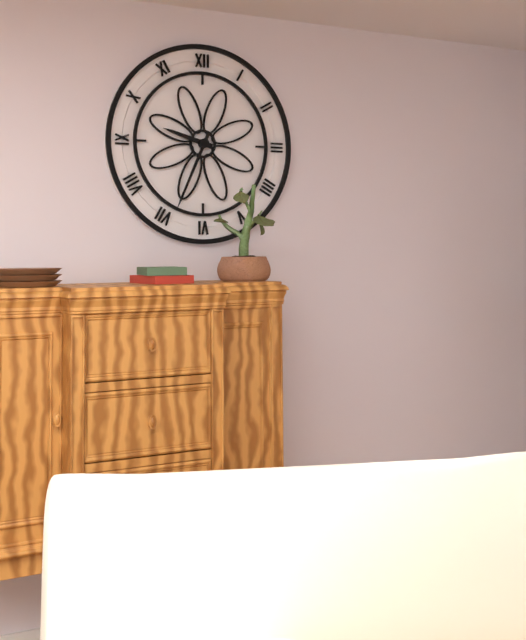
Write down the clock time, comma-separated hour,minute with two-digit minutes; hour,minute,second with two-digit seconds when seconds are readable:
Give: 9,34
